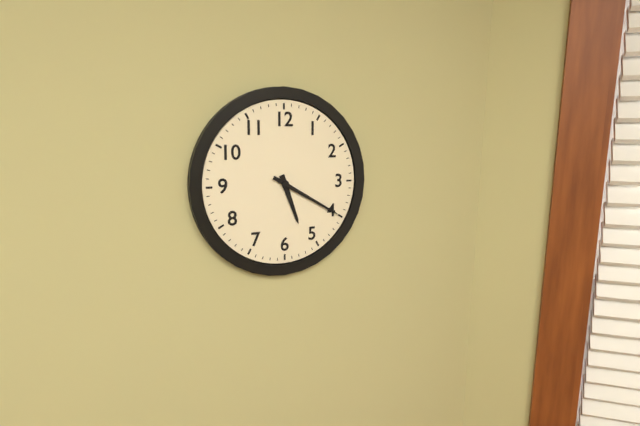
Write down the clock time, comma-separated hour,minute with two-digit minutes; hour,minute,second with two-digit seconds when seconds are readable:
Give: 5,20
